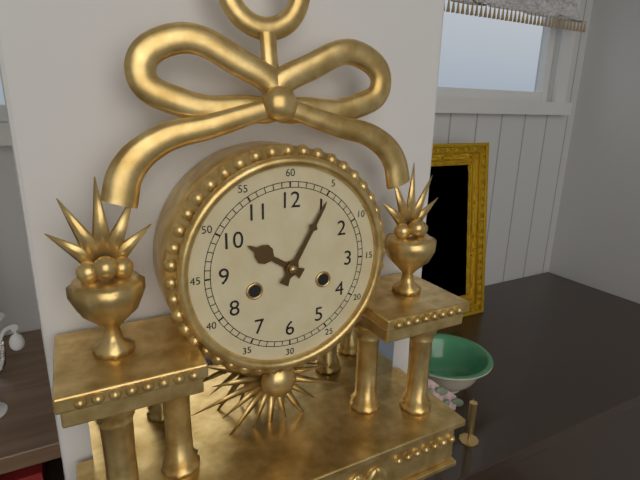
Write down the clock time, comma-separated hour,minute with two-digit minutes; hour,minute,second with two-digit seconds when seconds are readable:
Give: 10,05
